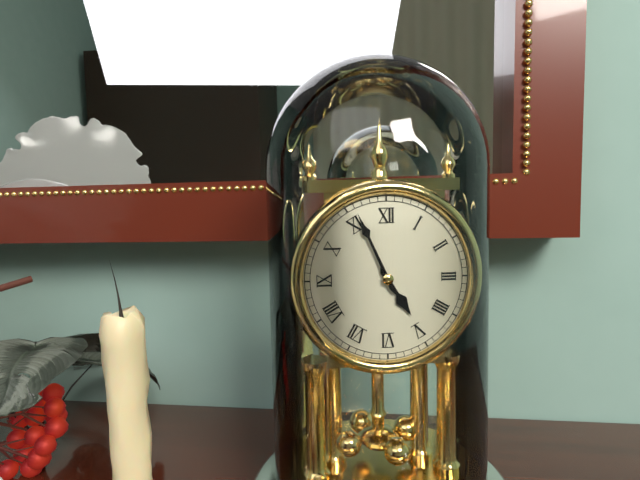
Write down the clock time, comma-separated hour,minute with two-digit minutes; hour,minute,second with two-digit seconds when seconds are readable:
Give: 4,56
